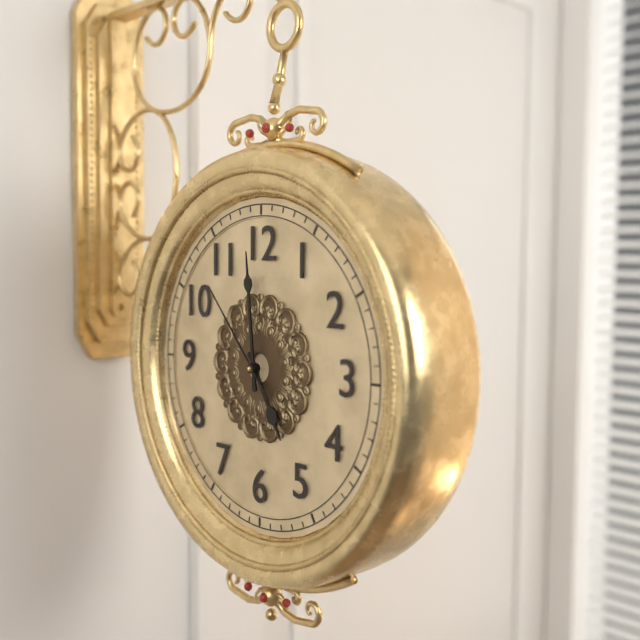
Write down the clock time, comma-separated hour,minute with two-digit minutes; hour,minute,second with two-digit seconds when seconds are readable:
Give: 4,59,53
